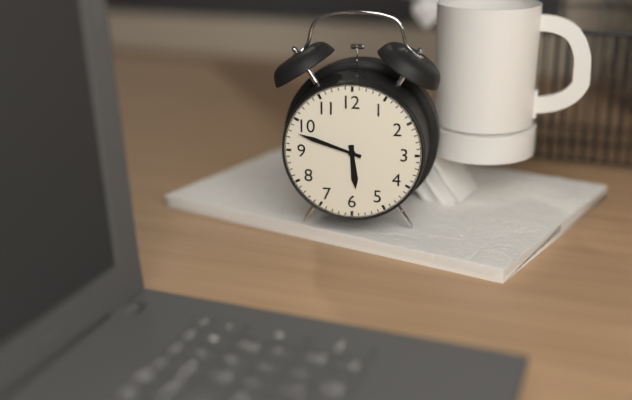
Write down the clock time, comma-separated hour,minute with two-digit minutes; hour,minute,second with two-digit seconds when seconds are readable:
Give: 5,48
